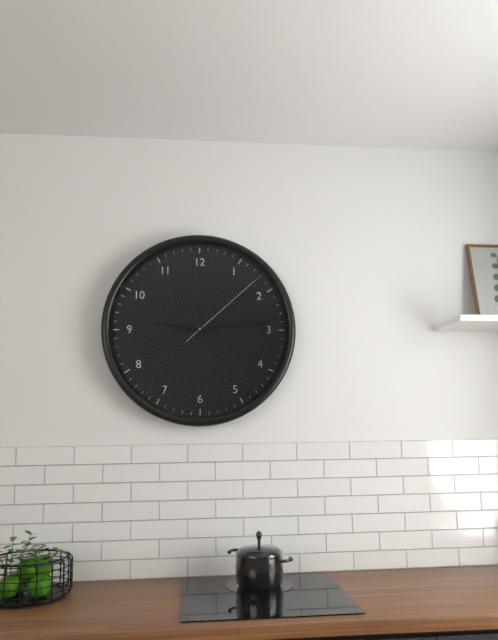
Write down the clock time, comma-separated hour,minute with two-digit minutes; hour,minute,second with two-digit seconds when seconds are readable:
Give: 9,14,08
